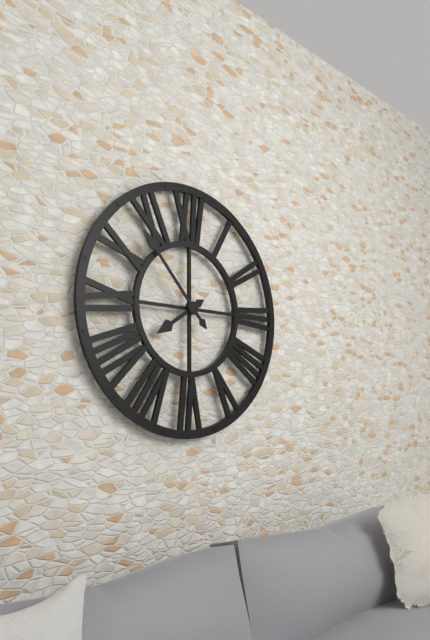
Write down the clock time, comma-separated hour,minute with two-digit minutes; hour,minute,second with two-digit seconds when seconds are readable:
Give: 7,53
